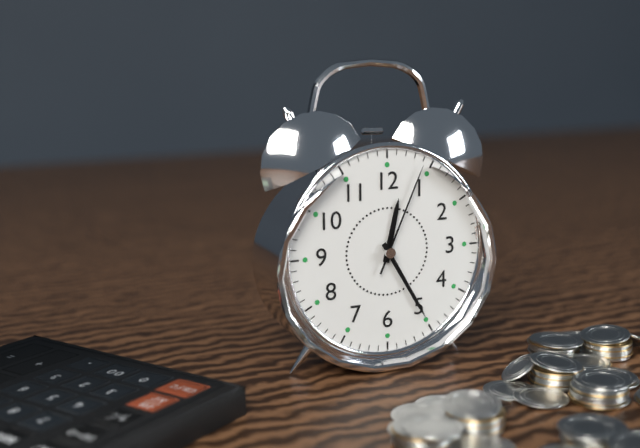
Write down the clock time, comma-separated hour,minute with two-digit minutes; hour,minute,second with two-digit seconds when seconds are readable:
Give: 12,25,04
